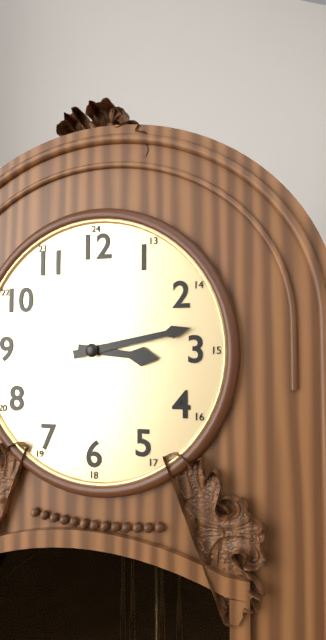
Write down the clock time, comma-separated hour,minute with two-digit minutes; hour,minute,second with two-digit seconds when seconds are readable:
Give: 3,13
